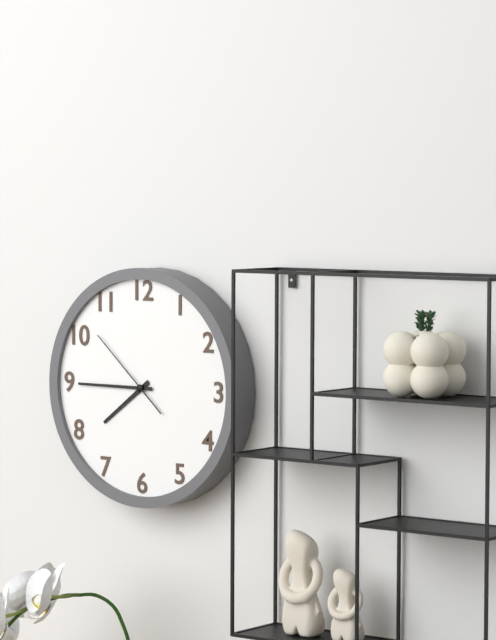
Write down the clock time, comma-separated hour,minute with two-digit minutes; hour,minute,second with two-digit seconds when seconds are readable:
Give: 7,45,52
